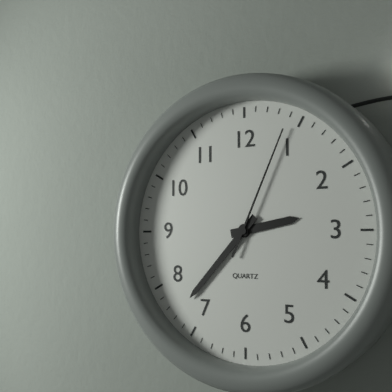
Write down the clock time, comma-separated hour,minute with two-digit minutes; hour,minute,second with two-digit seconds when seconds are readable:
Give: 2,37,04
